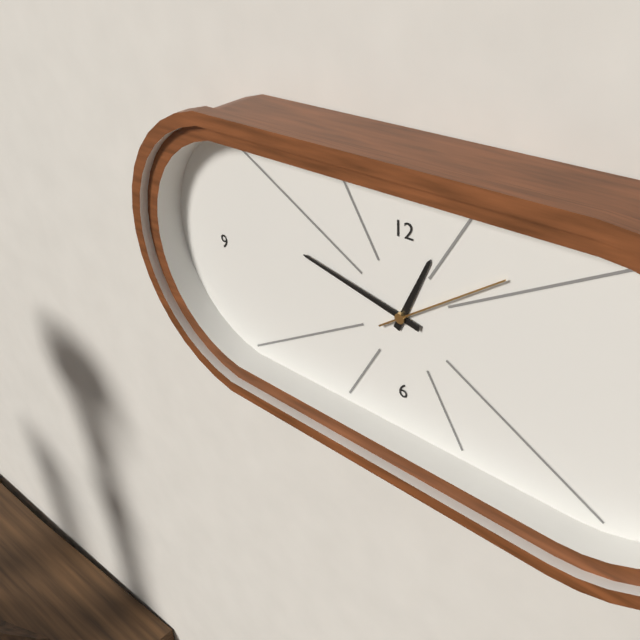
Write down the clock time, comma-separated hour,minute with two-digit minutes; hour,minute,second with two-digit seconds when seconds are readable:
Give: 12,47,09
